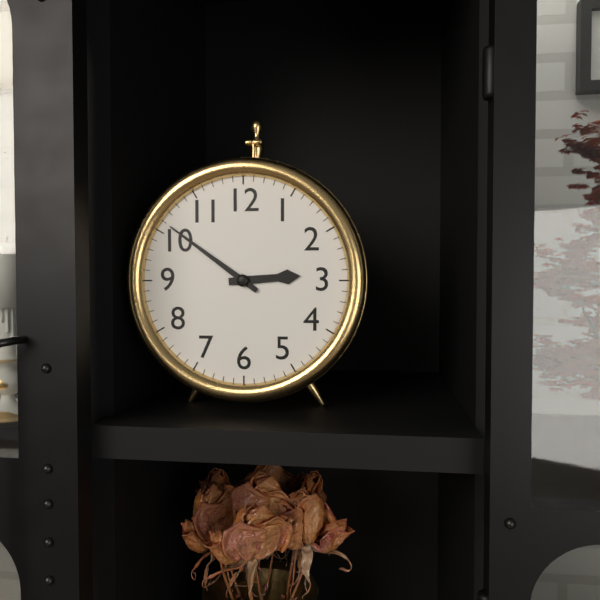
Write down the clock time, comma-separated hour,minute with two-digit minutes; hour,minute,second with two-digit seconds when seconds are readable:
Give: 2,51
